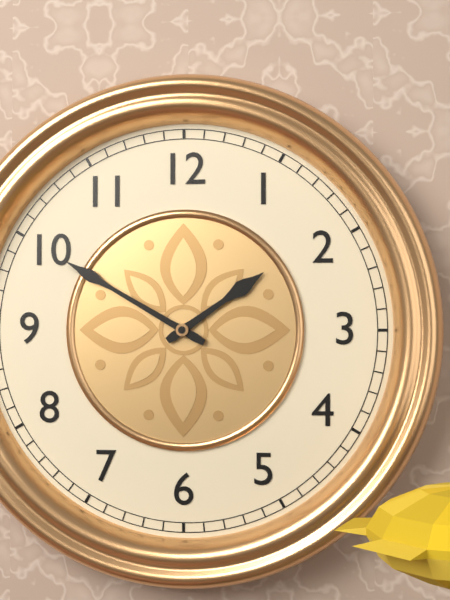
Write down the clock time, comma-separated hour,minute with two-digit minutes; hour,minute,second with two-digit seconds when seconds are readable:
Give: 1,50
